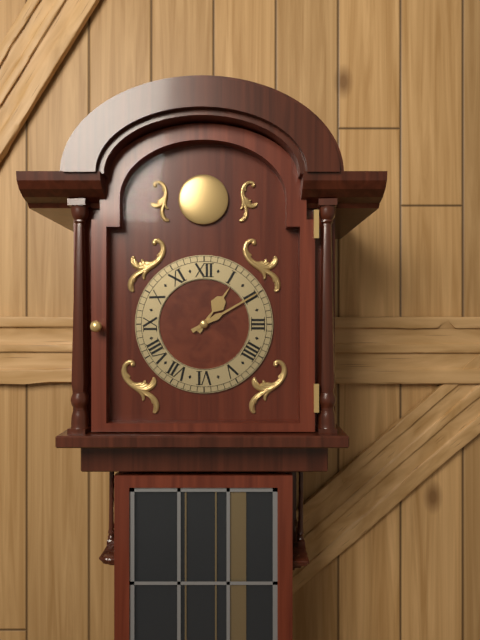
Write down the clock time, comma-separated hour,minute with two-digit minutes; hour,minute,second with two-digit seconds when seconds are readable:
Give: 1,10
